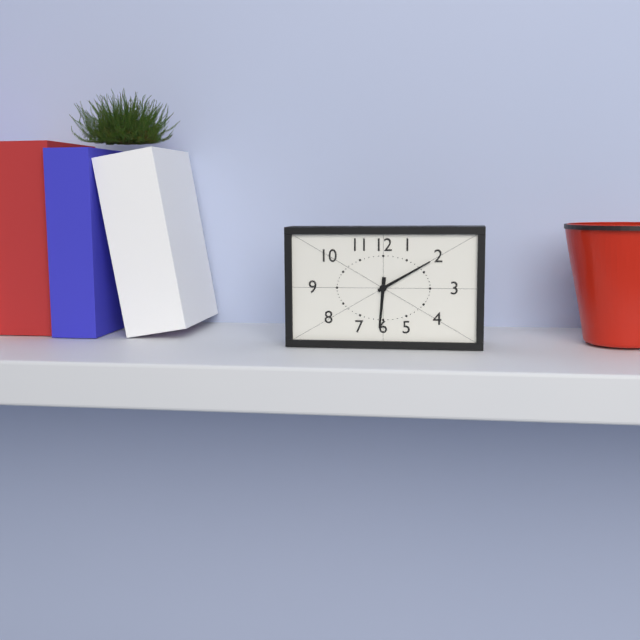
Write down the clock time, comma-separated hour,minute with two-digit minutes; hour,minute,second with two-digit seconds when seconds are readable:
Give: 6,10
